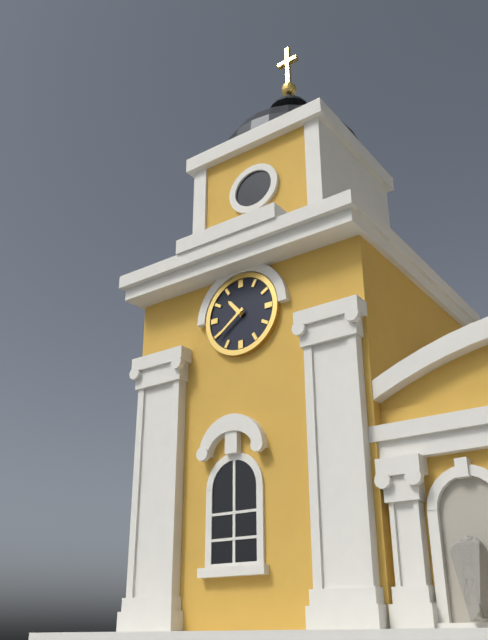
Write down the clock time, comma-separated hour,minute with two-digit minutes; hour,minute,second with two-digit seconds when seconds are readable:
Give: 10,39
